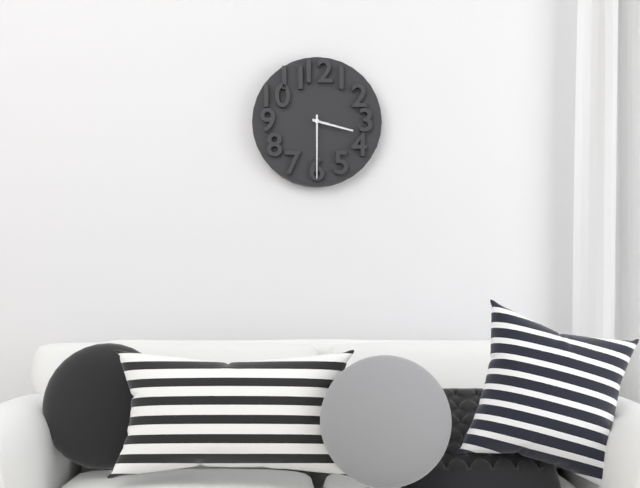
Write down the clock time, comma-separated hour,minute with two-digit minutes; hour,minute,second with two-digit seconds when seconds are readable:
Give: 3,30
